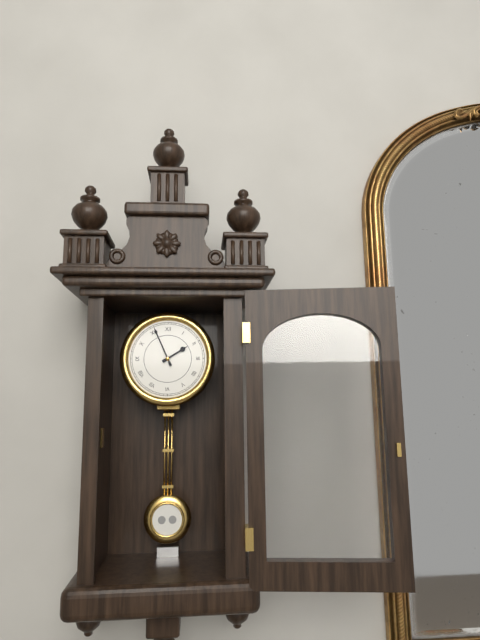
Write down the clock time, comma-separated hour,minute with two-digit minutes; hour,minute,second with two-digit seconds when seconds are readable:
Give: 1,56
